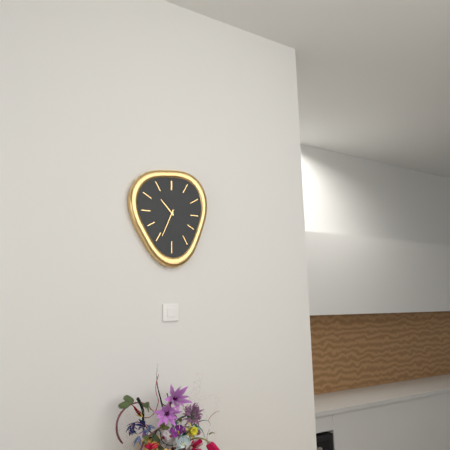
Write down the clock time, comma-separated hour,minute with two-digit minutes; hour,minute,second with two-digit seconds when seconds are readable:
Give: 10,34
